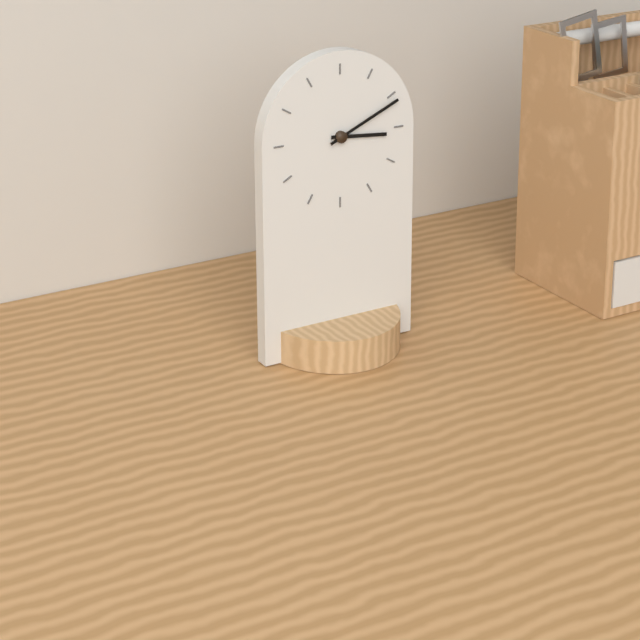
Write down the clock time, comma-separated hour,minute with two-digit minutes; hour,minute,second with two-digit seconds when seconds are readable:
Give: 3,11
